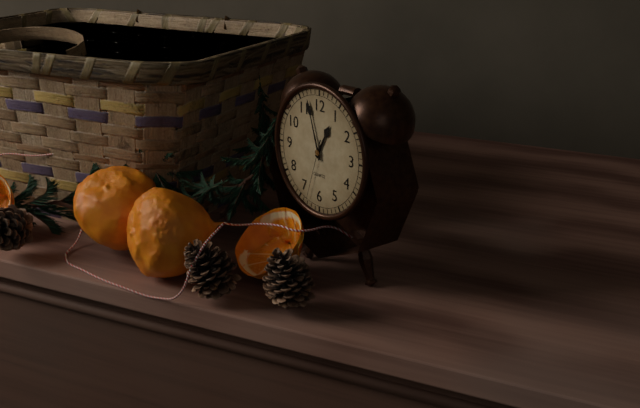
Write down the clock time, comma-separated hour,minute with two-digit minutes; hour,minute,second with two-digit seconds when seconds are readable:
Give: 12,57,33
